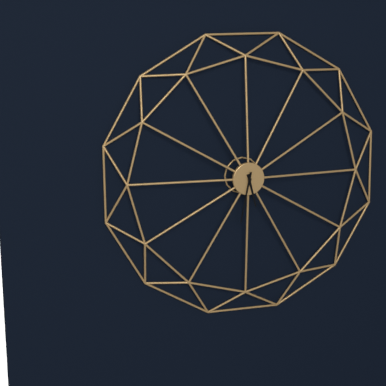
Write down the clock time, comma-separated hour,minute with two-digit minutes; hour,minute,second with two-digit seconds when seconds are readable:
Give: 5,32
